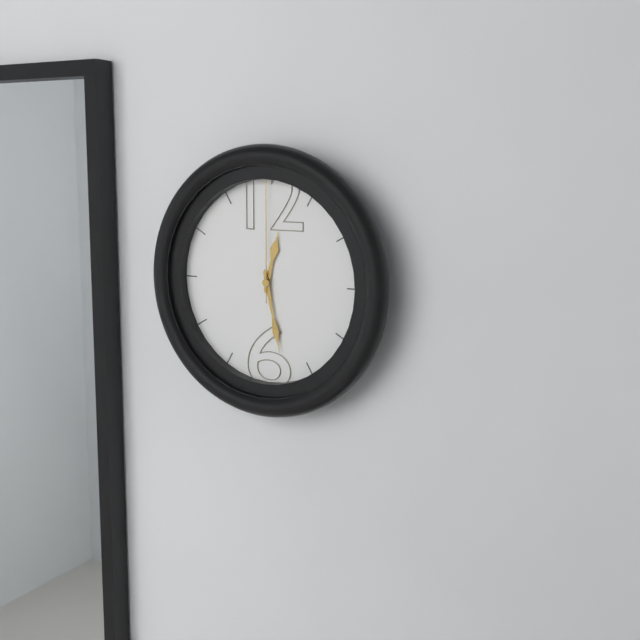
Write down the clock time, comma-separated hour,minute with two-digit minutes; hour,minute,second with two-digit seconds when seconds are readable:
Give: 12,28,00
